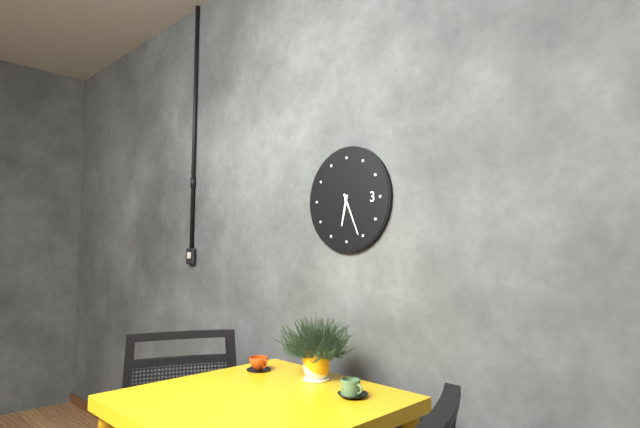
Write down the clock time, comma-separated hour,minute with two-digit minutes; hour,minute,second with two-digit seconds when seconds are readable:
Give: 6,26
